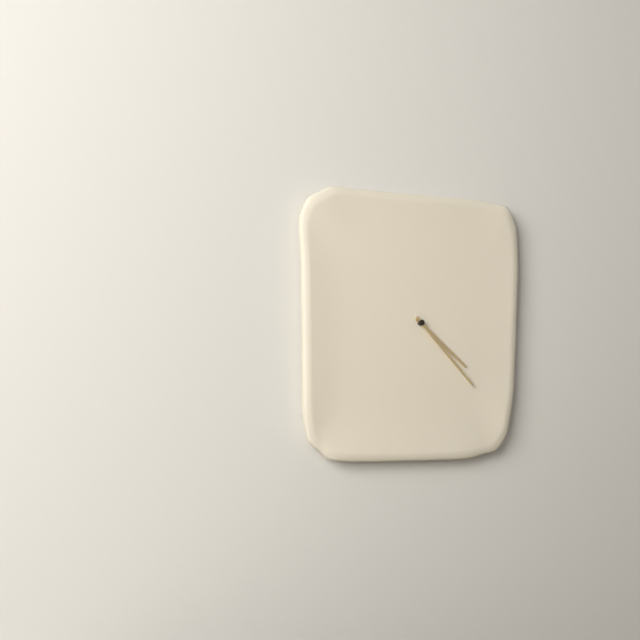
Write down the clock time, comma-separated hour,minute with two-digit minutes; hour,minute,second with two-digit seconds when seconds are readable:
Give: 4,23
